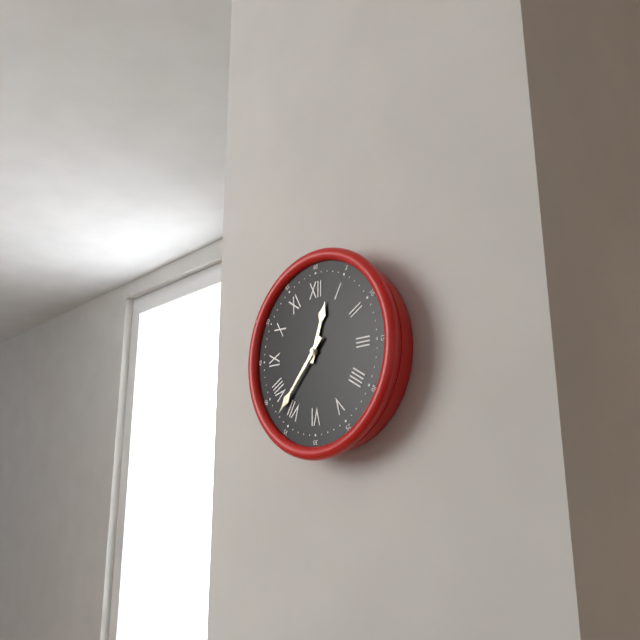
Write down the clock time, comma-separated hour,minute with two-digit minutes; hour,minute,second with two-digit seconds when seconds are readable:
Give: 12,37
